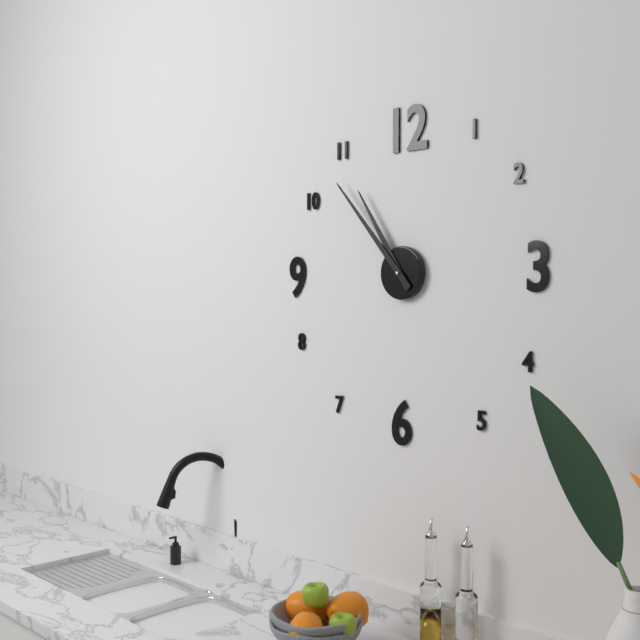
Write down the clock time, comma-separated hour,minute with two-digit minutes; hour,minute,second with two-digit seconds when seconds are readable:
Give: 10,53
